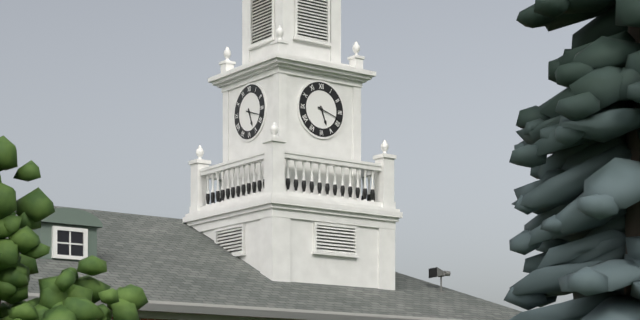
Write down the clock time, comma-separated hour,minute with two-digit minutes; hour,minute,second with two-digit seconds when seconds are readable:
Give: 5,18
